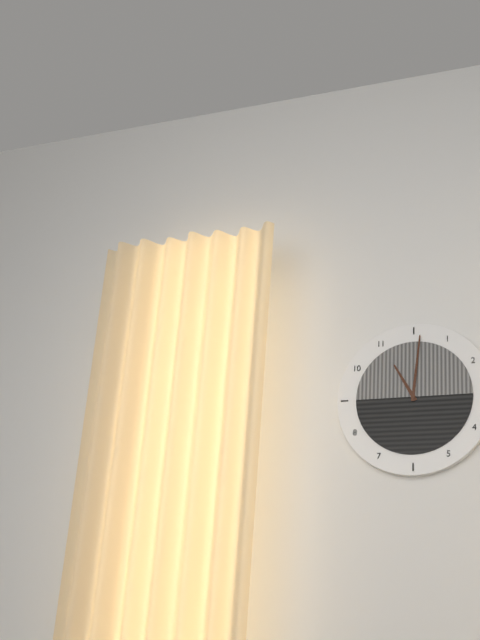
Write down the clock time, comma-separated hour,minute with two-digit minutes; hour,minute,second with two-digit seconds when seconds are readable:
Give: 11,01
